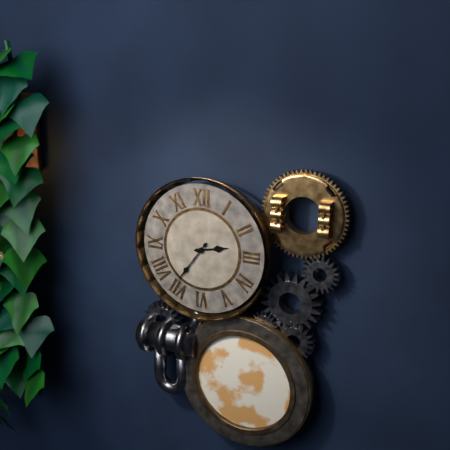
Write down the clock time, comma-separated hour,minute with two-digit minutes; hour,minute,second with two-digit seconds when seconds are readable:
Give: 2,36
